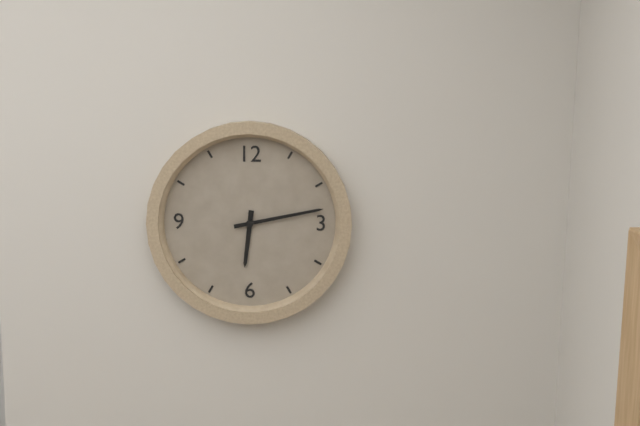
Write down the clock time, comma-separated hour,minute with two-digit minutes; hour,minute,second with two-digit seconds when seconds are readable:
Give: 6,13
